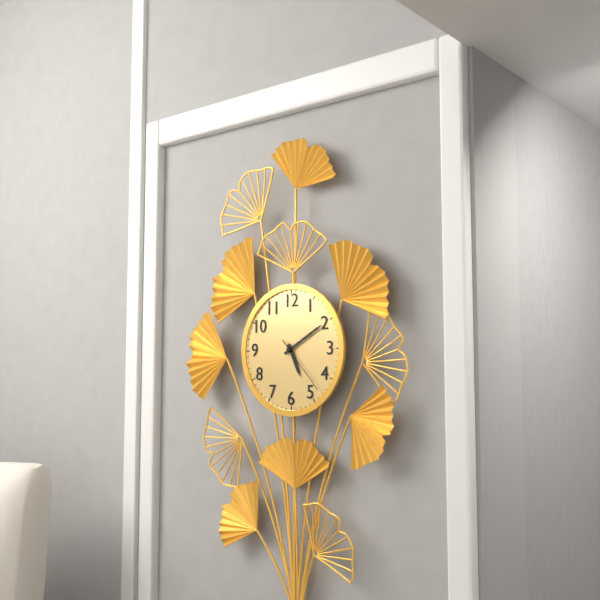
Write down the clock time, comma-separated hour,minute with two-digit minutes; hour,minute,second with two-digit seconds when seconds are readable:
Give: 5,10,23
